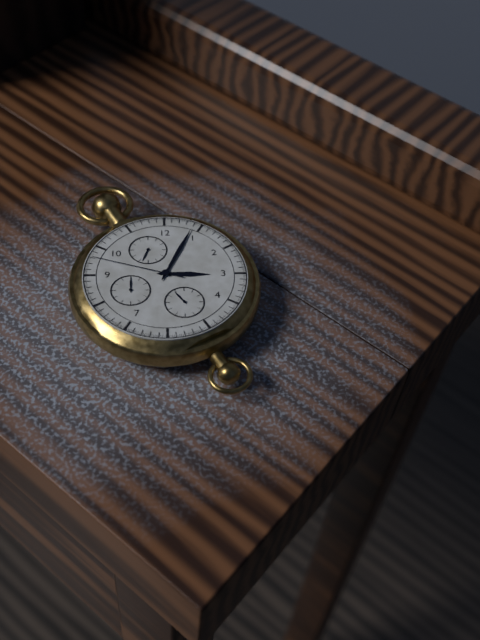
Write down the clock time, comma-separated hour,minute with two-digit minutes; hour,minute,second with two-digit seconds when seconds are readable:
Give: 3,04,48
